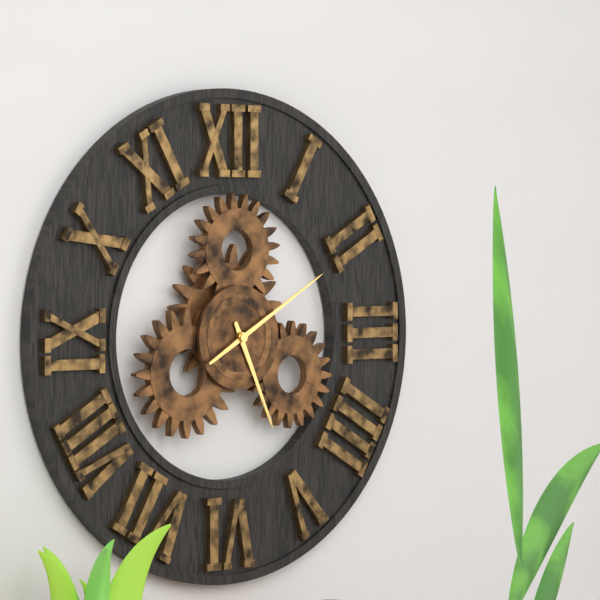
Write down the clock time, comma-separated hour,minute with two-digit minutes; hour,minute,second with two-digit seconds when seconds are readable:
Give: 5,10
